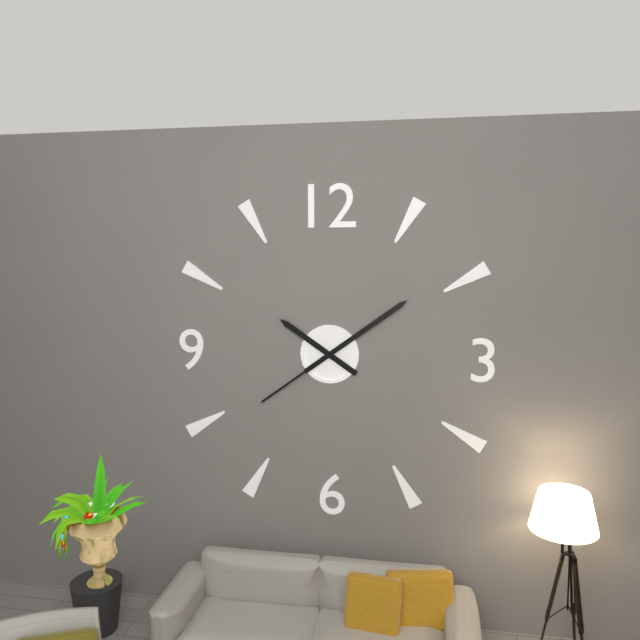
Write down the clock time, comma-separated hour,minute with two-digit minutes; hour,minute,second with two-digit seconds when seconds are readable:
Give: 10,09,39
